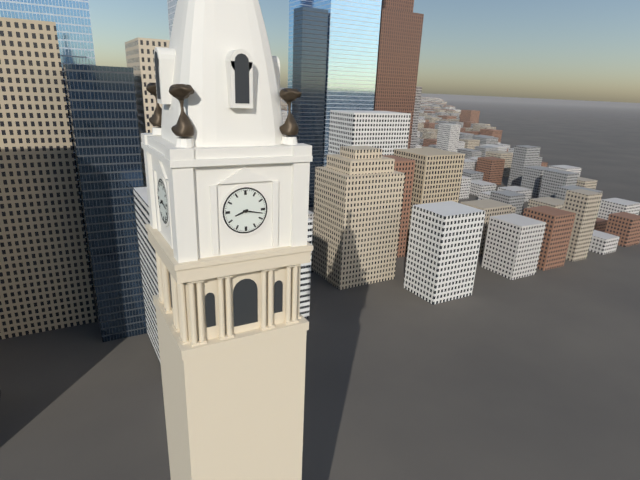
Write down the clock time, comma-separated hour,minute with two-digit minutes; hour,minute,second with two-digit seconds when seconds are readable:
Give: 8,17
